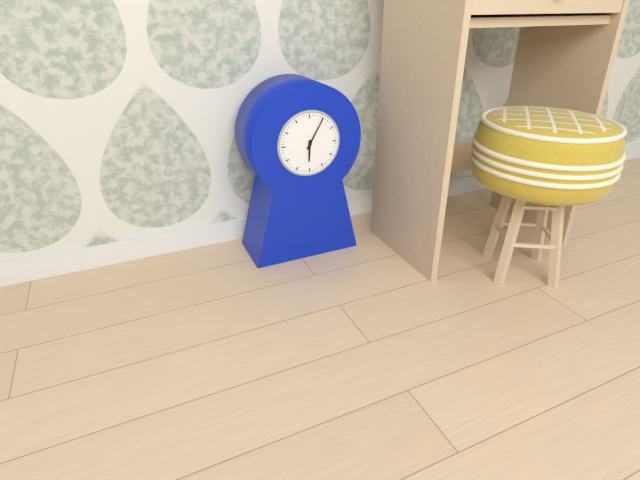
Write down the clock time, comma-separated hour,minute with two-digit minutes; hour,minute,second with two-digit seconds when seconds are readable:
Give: 6,05
